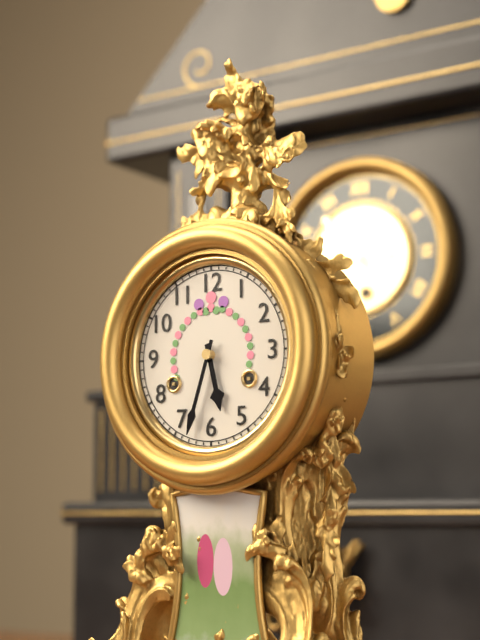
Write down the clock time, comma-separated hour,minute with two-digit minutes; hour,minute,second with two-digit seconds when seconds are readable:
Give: 5,33
